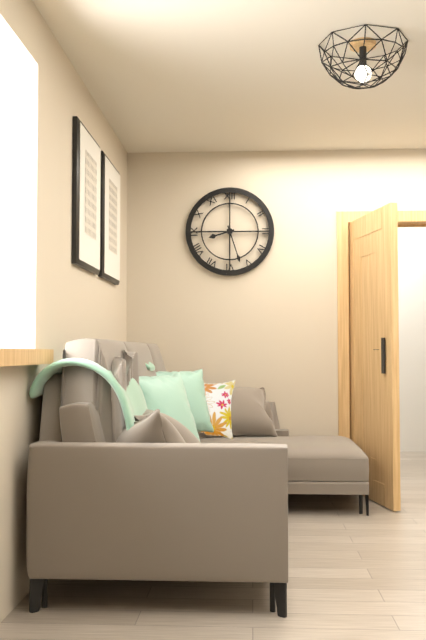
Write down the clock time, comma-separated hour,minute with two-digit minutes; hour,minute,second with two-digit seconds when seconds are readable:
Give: 8,27
